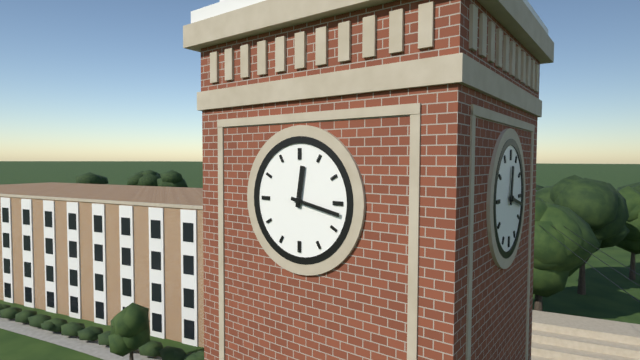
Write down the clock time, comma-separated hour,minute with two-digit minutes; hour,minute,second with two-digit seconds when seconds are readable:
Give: 12,17
